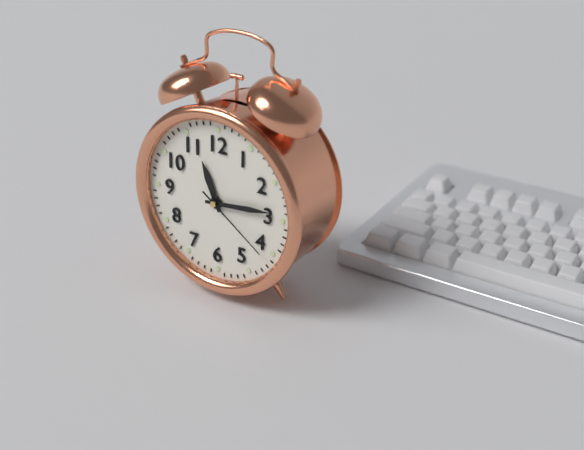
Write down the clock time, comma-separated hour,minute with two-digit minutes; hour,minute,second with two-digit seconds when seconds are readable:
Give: 11,14,21
